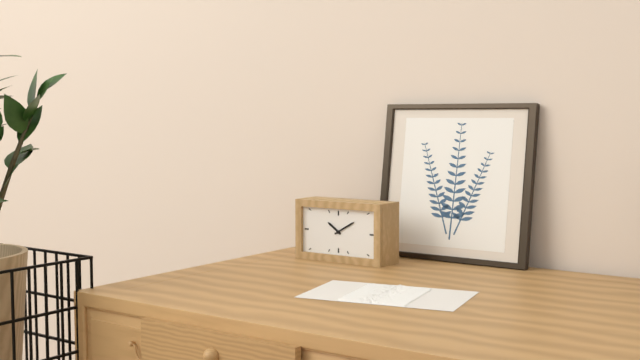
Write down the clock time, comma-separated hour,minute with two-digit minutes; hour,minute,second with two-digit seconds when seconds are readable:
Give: 10,10
